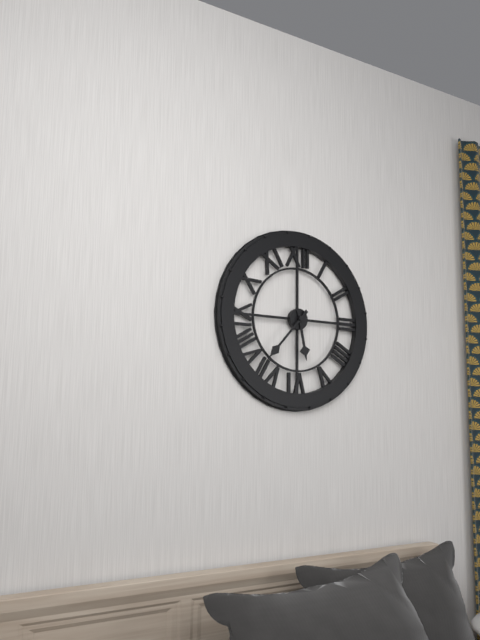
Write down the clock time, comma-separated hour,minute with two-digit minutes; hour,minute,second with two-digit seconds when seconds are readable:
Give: 5,37
